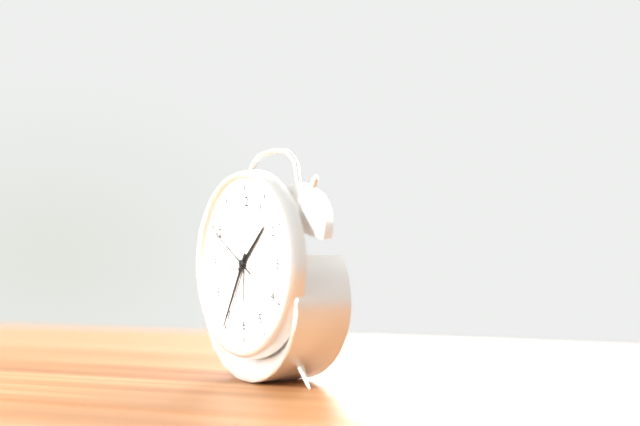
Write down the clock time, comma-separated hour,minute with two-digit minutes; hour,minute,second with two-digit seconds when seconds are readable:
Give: 1,35,50
